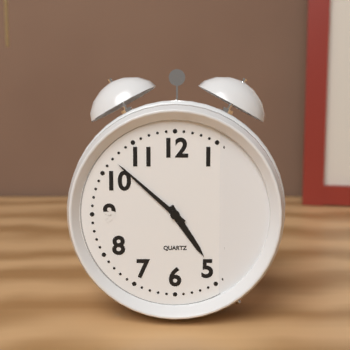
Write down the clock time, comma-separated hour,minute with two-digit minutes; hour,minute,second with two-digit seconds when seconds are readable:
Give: 4,52
